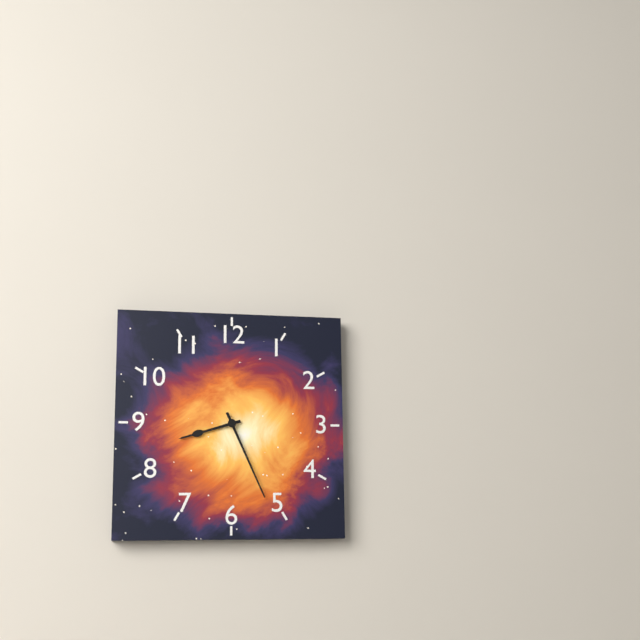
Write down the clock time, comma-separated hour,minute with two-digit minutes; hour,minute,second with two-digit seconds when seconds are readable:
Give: 8,26
